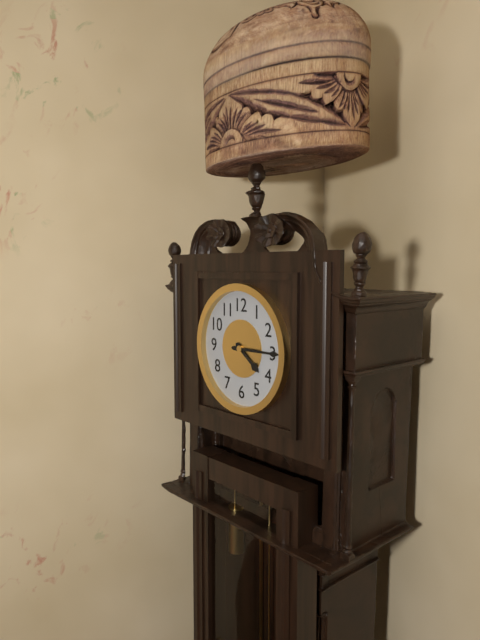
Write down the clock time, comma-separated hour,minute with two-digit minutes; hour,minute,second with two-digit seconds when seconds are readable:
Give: 4,15
